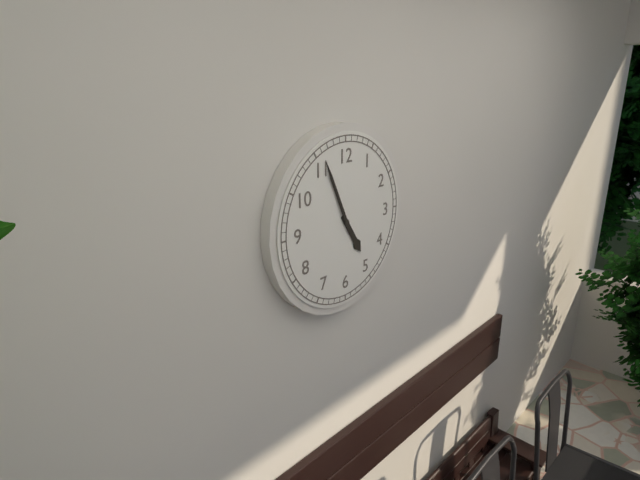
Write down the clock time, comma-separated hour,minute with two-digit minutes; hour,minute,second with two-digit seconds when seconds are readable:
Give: 4,56
